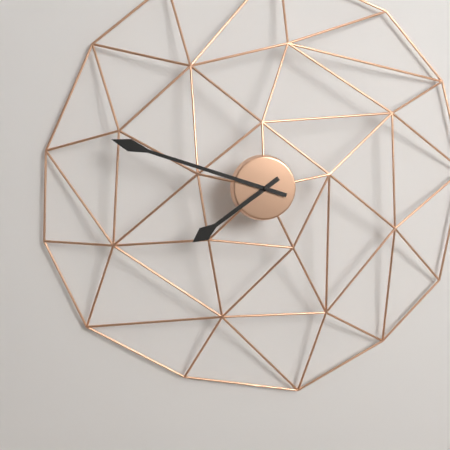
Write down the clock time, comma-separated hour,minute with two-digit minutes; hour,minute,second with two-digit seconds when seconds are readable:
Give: 7,48
